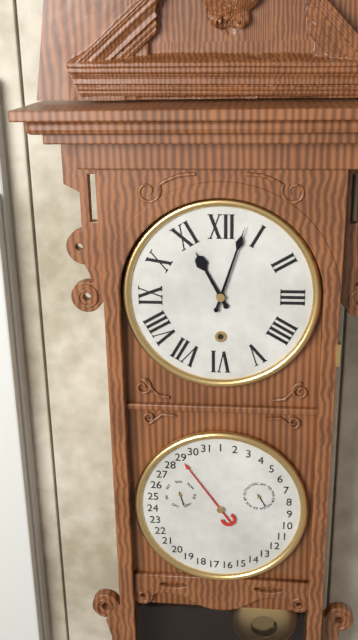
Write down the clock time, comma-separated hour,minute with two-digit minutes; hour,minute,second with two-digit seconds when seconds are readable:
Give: 11,03
